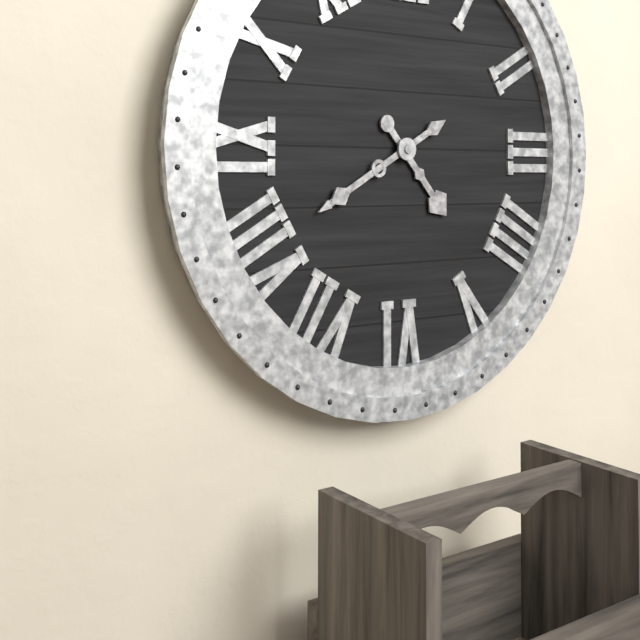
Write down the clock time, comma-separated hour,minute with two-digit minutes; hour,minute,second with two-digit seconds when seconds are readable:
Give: 4,40
